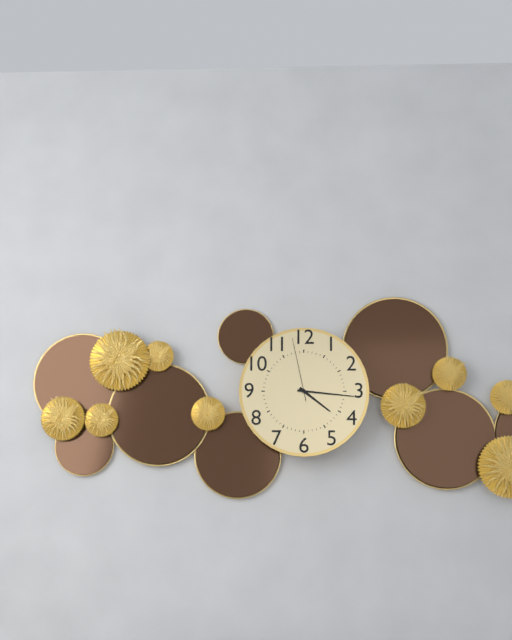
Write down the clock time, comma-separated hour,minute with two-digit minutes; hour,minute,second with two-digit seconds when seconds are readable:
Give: 4,16,58
